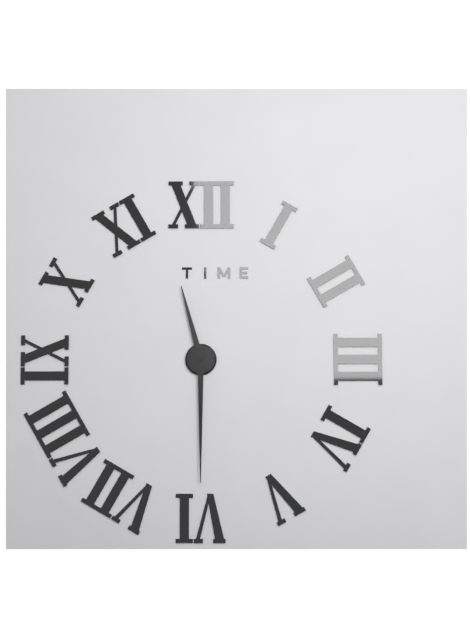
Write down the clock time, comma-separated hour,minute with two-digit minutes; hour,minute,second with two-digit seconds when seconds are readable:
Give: 11,30
